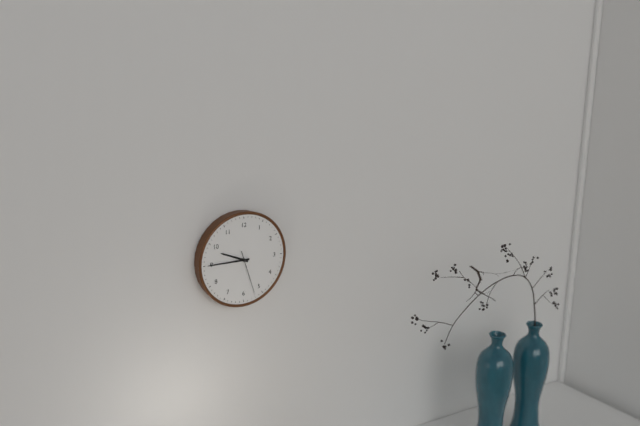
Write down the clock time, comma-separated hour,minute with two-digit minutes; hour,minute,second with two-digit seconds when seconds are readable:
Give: 9,45
